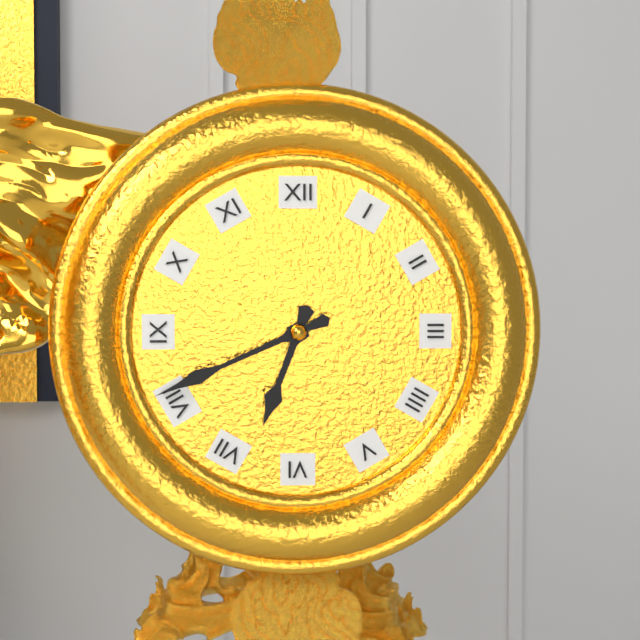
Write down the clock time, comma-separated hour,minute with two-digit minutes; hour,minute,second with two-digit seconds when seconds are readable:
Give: 6,41
